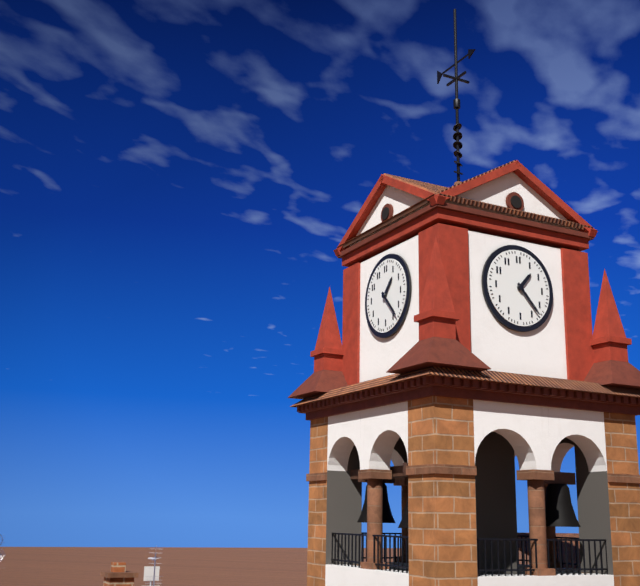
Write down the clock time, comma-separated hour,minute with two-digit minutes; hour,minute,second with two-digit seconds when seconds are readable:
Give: 1,23
